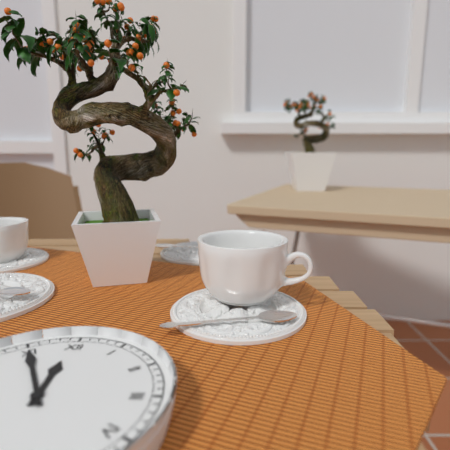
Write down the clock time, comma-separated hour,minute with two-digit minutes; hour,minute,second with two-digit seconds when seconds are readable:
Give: 11,55
